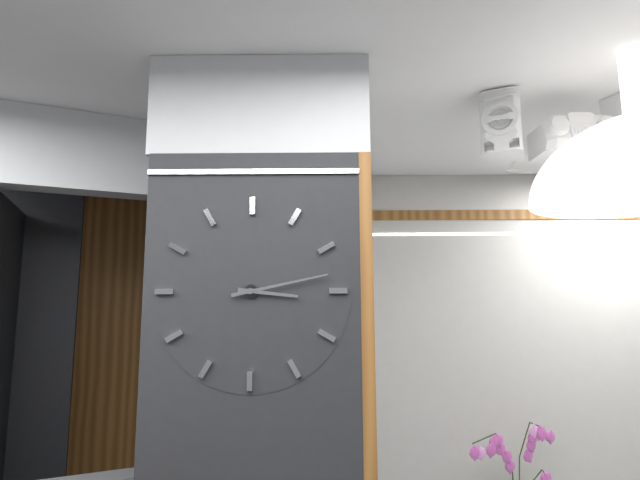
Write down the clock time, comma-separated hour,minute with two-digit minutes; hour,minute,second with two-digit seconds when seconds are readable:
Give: 3,13
